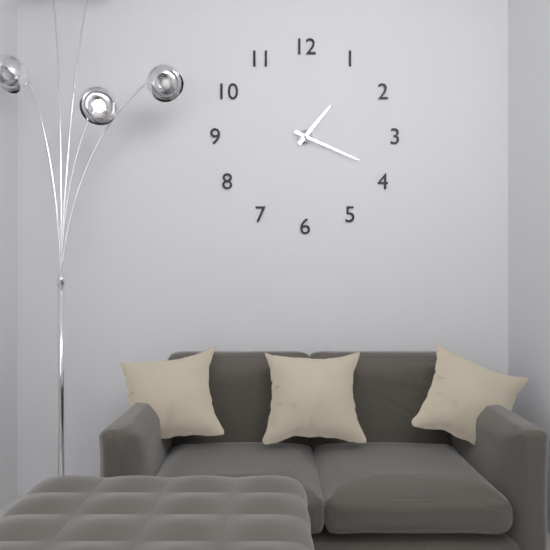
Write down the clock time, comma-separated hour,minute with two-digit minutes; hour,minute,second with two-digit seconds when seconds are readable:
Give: 1,19
